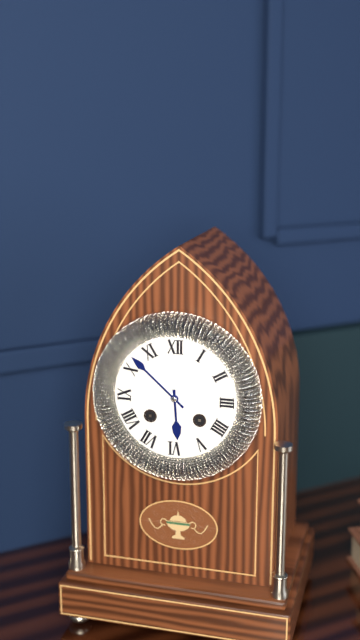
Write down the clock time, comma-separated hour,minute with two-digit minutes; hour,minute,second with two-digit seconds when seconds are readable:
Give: 5,52
